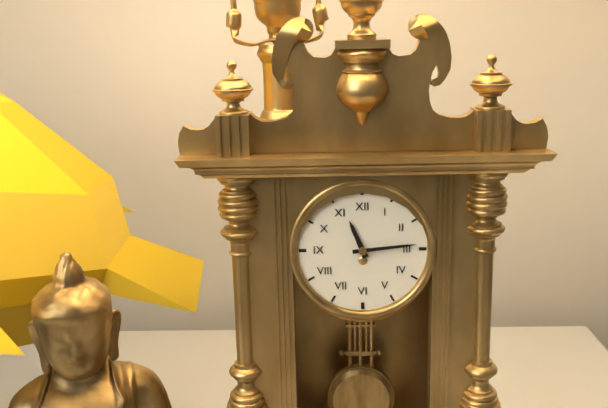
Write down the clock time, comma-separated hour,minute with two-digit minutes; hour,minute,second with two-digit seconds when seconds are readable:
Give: 11,14
